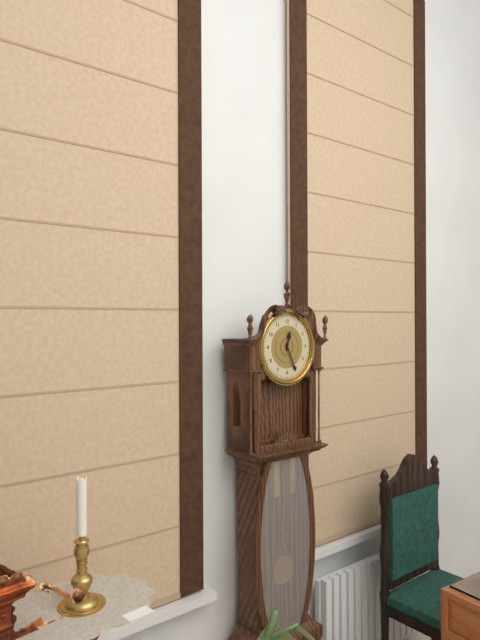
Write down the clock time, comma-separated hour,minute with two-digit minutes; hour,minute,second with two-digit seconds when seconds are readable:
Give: 12,26
